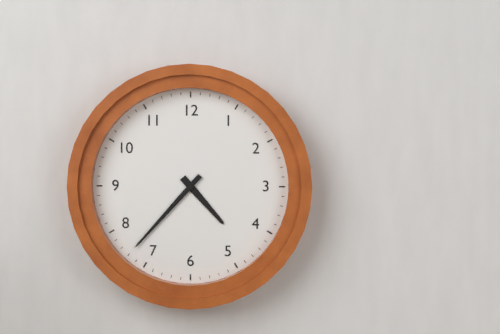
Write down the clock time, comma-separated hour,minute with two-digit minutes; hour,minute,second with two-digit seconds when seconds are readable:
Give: 4,37
